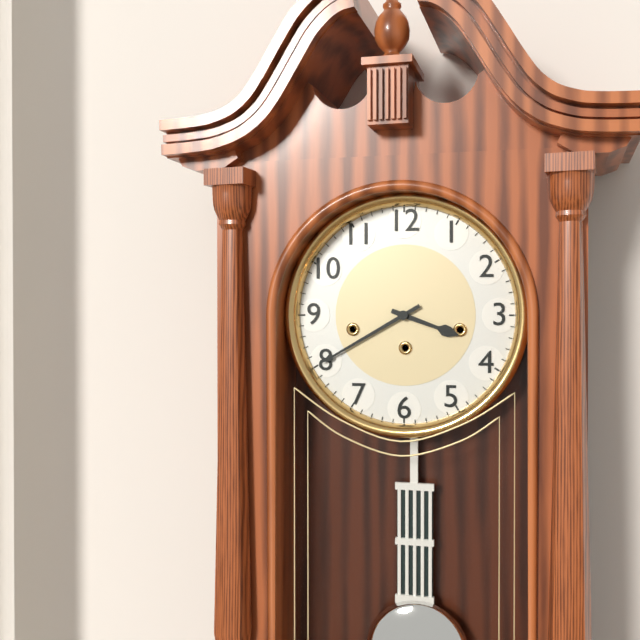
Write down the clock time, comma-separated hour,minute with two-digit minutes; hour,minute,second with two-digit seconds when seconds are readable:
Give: 3,40
